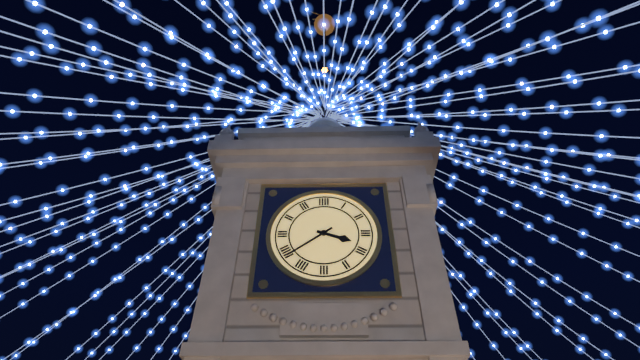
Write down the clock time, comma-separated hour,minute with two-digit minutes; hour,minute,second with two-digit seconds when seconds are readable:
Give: 3,39
